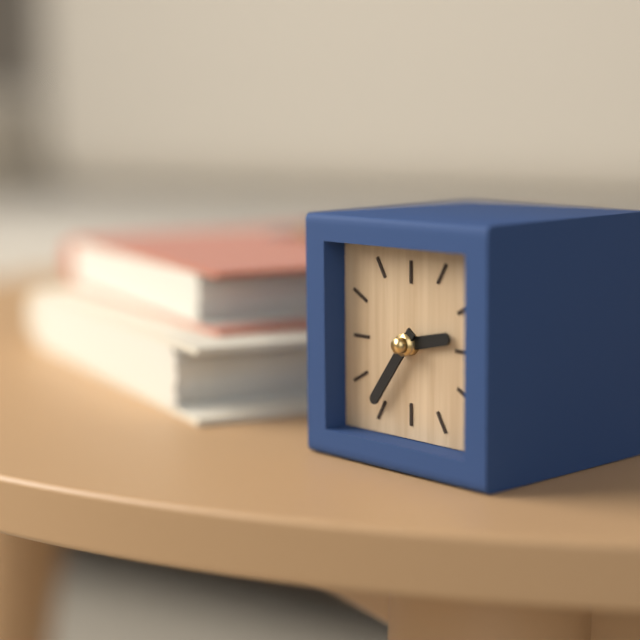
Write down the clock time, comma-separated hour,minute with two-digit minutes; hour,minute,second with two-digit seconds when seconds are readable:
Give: 2,36
